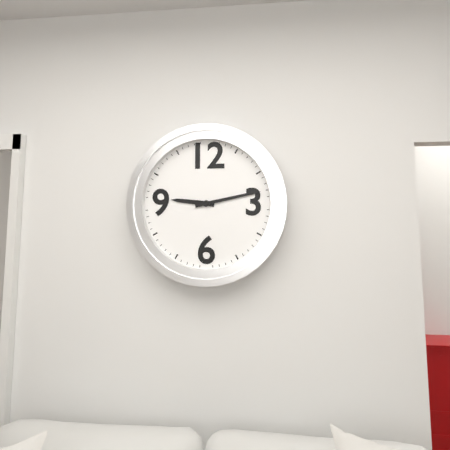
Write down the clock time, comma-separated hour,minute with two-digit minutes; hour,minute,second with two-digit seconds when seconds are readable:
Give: 9,13
